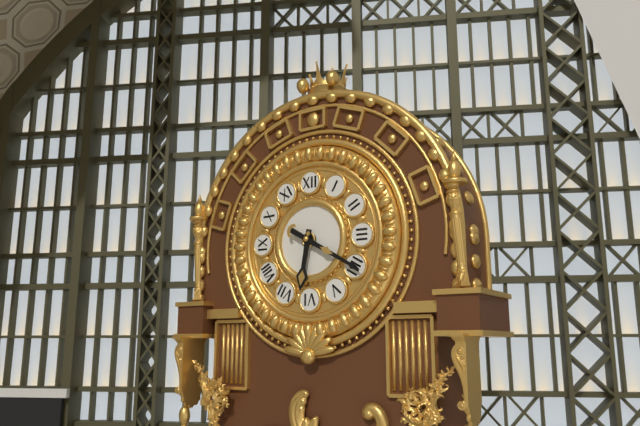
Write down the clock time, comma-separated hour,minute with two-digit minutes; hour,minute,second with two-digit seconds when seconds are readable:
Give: 6,20
